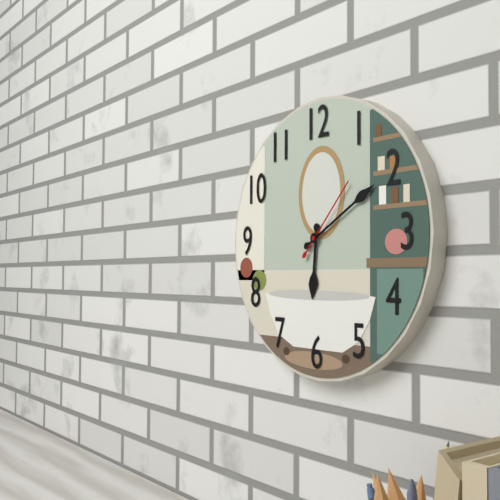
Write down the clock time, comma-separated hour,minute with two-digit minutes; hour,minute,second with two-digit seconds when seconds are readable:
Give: 6,10,07
